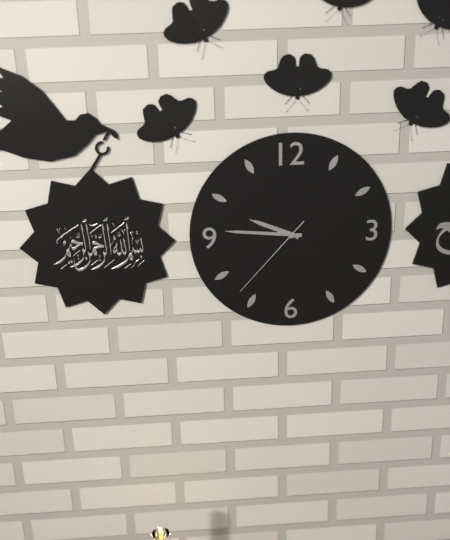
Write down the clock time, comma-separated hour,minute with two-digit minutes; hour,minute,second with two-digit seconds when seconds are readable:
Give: 9,46,37
